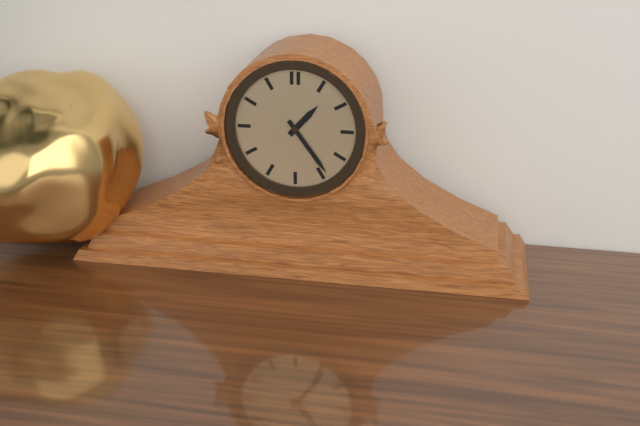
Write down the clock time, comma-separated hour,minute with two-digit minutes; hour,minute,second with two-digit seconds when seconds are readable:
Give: 1,24
